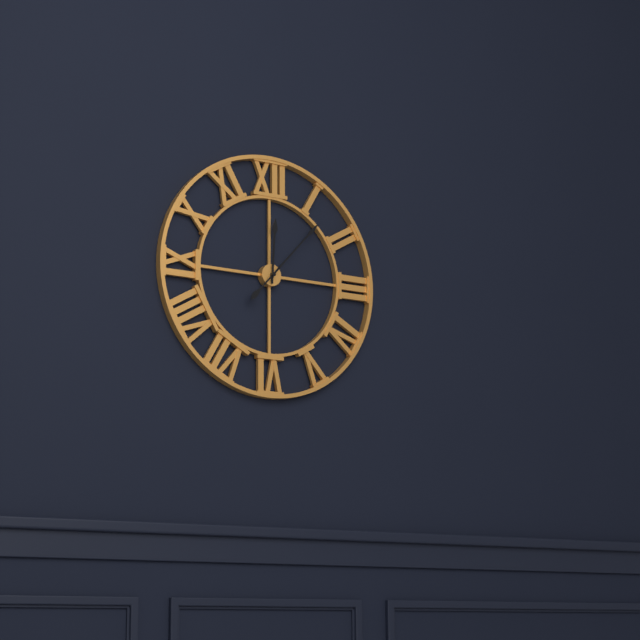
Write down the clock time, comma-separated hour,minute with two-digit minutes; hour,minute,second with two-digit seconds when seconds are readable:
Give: 12,07
